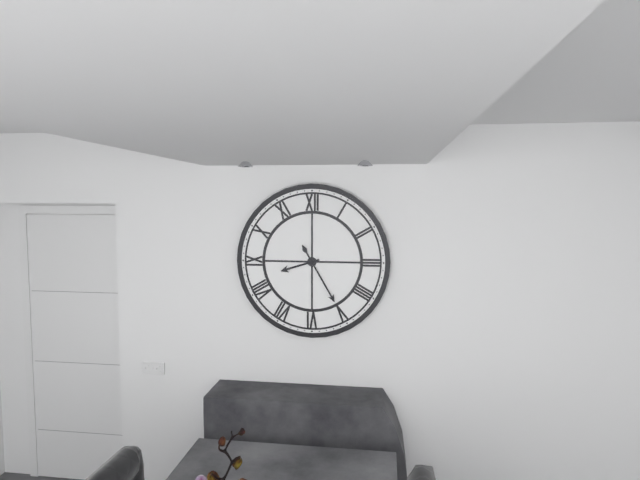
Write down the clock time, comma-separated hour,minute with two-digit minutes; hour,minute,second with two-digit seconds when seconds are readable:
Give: 8,25
